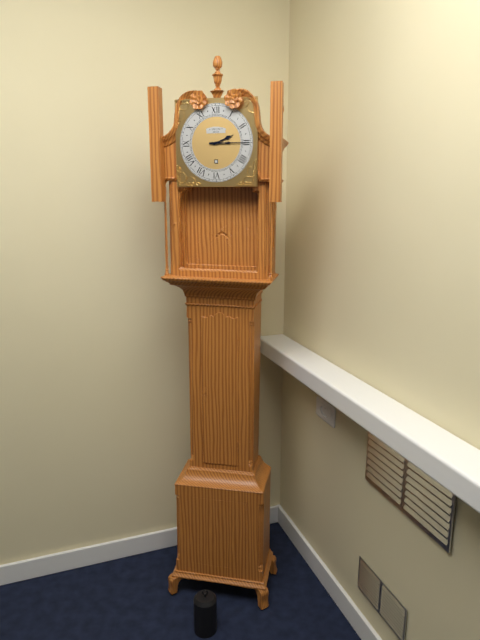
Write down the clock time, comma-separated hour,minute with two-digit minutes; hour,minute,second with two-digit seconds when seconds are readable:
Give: 2,15
